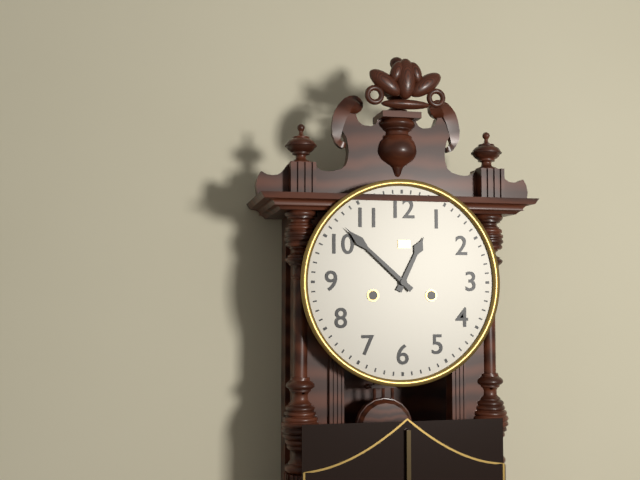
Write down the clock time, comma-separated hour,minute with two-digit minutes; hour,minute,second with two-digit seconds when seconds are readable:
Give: 12,52
